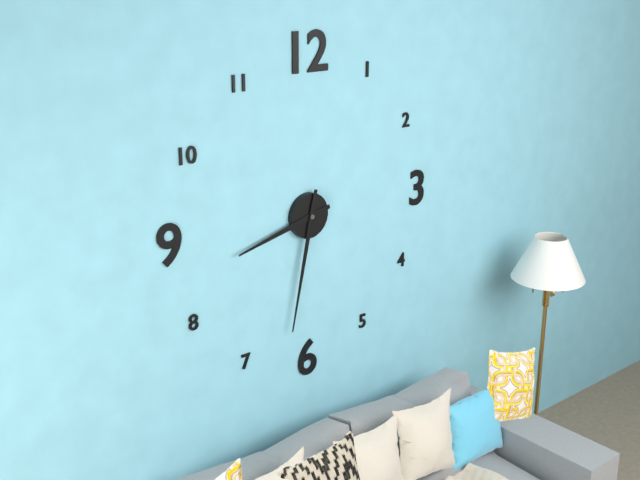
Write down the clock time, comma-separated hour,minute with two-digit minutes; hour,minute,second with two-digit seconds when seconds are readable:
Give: 8,32
